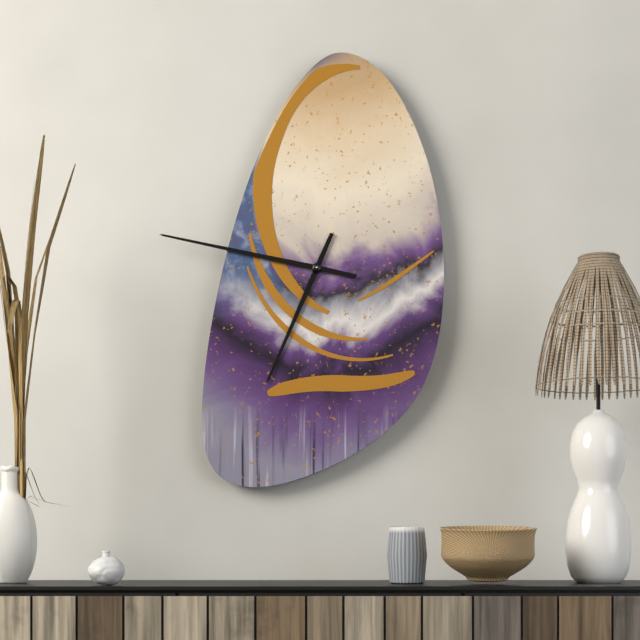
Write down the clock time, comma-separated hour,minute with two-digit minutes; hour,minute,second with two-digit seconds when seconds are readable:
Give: 6,47
